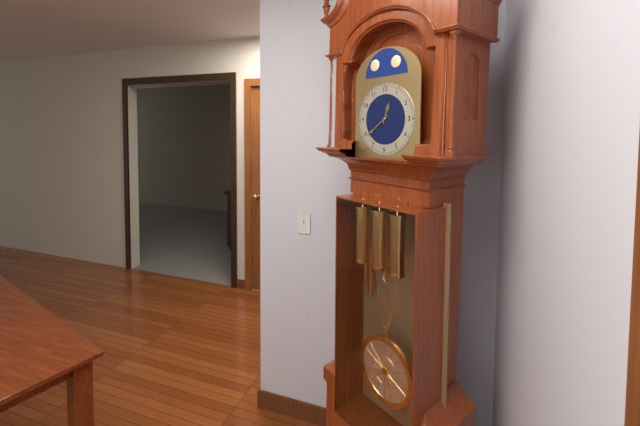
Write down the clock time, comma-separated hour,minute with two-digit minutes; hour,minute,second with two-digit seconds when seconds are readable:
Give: 12,39
